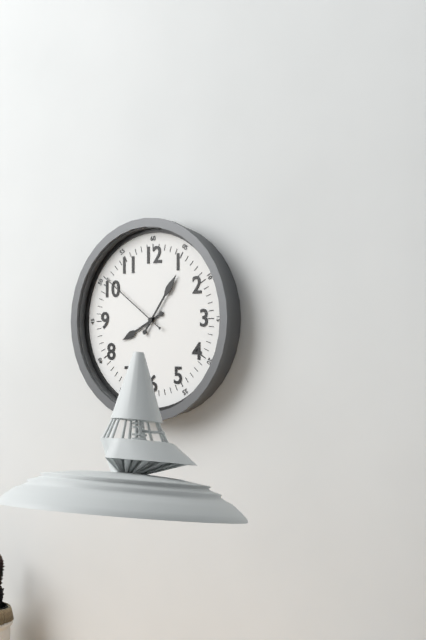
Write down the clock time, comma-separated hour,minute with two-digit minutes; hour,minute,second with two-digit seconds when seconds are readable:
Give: 8,06,51
